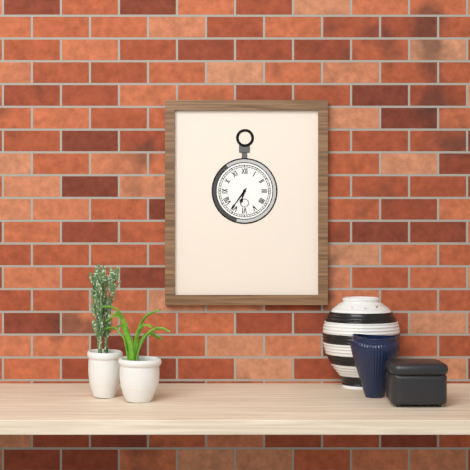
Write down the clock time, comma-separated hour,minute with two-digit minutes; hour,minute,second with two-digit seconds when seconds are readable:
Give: 6,36
